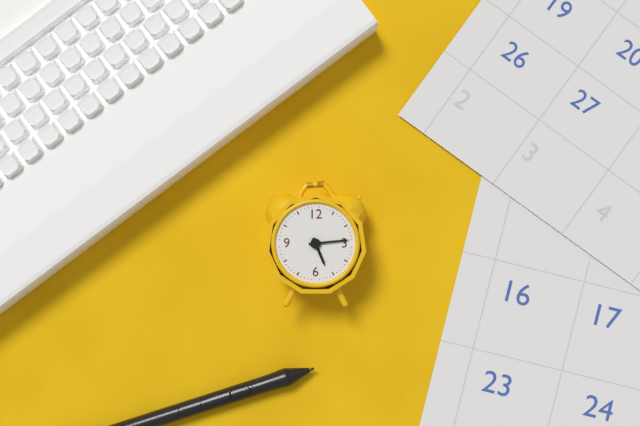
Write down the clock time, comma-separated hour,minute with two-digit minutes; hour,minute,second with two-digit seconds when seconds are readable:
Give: 5,14
